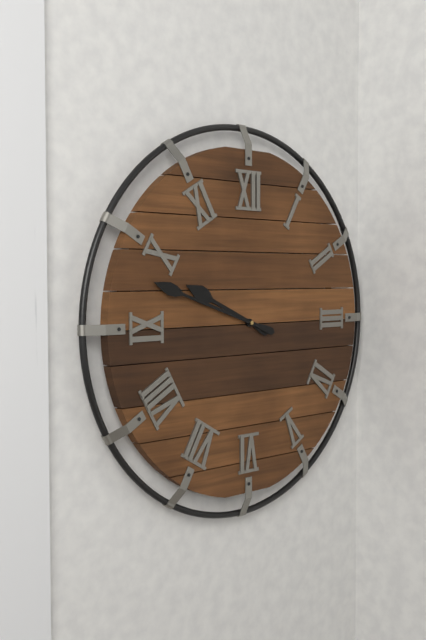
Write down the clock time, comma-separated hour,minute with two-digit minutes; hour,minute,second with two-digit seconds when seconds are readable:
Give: 9,48
